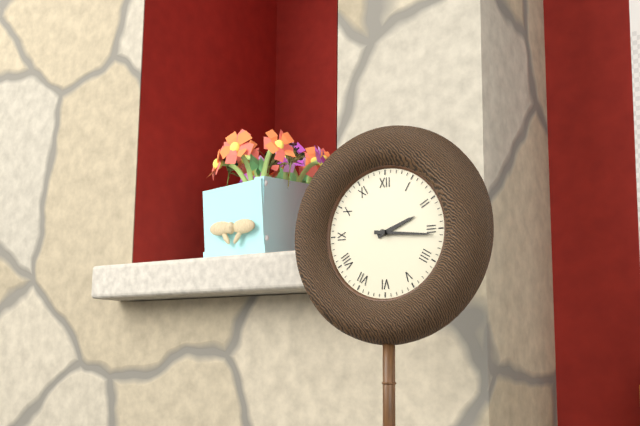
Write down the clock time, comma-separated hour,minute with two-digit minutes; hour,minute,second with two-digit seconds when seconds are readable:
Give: 2,16
